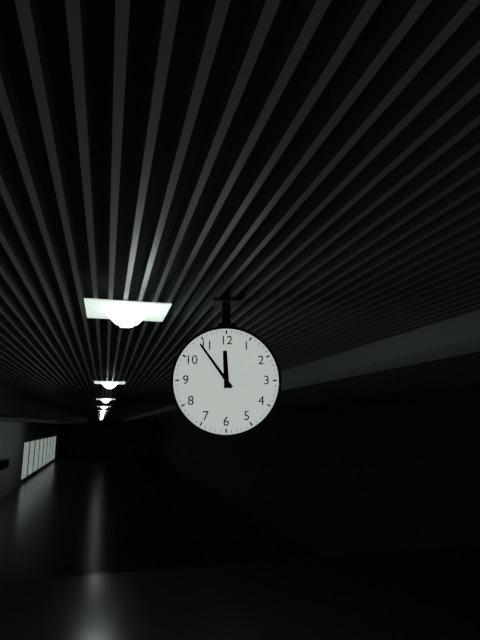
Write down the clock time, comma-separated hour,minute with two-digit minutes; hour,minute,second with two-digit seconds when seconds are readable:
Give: 11,54
